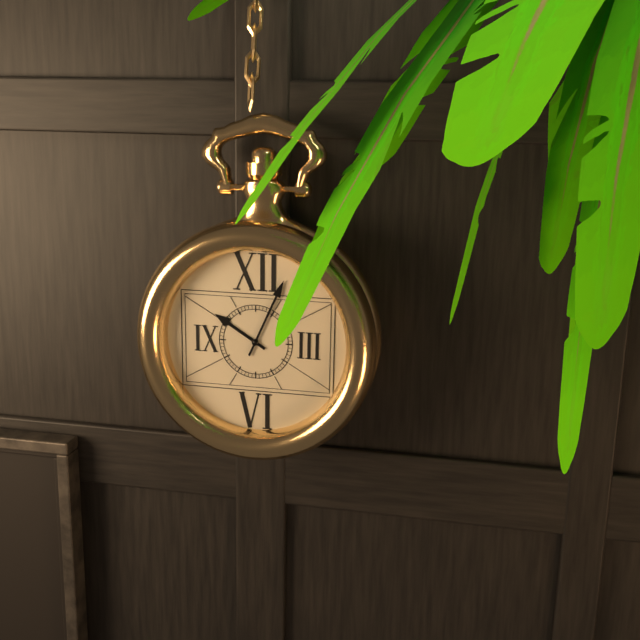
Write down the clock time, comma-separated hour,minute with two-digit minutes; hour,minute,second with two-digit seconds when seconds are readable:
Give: 10,04
